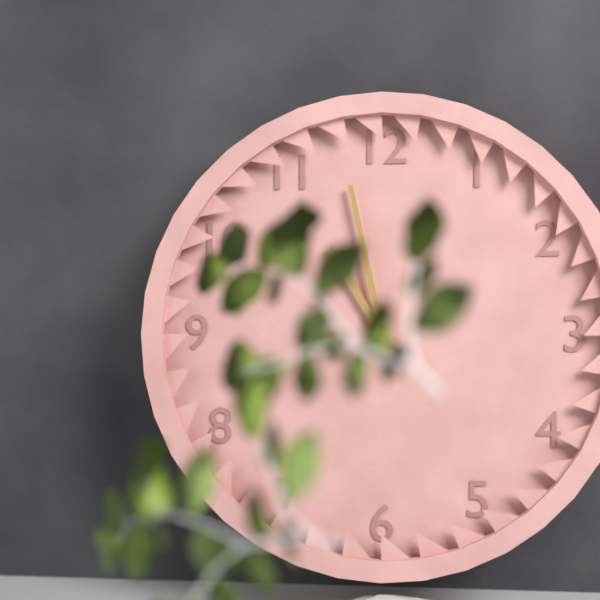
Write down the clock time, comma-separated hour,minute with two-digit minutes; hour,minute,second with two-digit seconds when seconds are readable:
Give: 10,58
